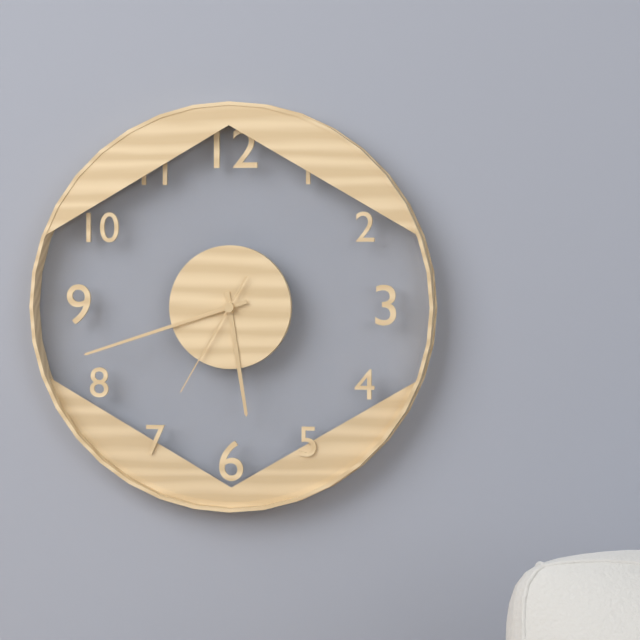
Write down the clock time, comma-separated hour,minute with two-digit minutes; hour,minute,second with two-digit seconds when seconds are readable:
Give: 5,42,35
